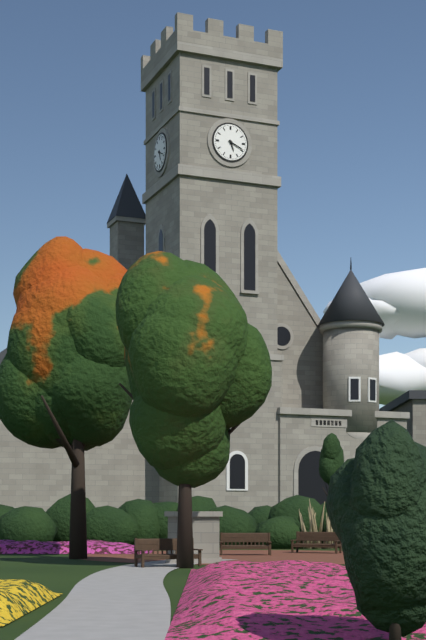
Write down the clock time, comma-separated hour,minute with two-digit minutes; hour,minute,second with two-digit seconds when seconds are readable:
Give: 5,19
